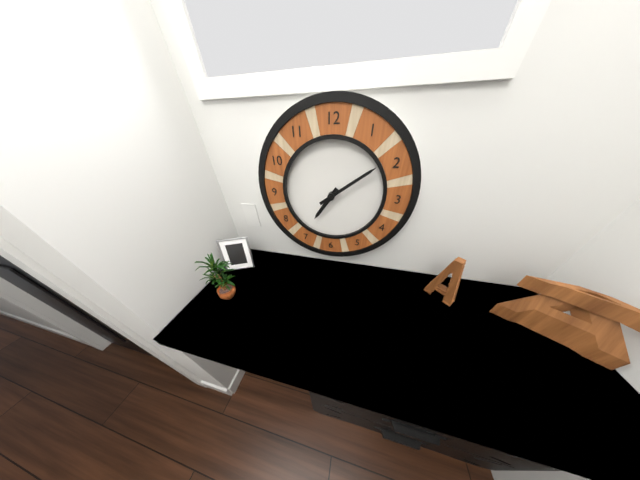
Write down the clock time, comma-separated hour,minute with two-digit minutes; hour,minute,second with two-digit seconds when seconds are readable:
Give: 7,09
